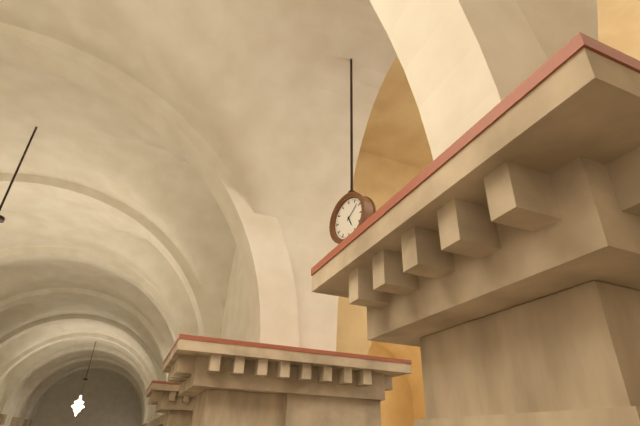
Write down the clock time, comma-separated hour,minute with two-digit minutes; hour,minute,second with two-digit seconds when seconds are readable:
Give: 5,08
